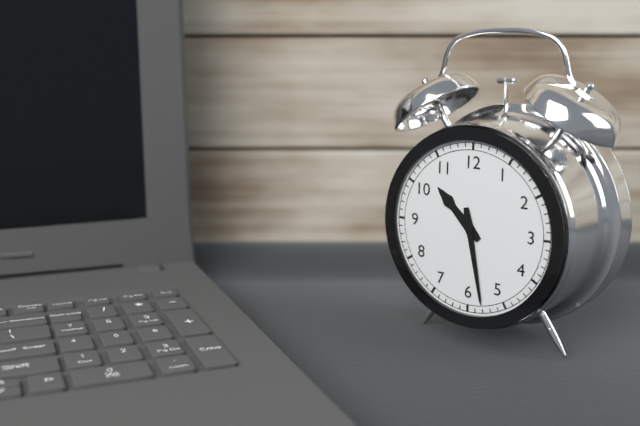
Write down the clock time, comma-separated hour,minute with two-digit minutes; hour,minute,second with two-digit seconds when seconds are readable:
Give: 10,28
